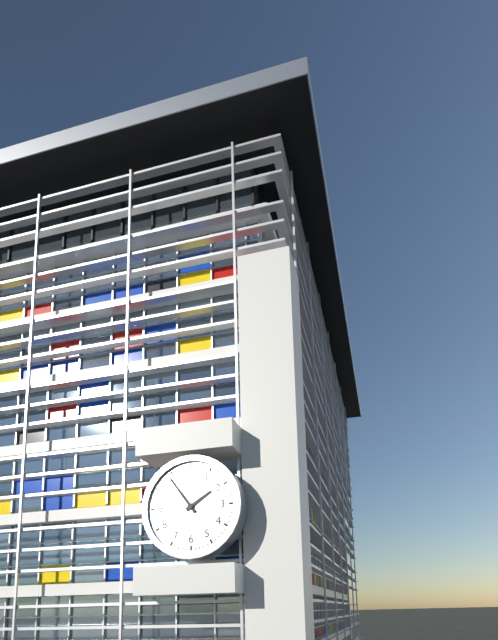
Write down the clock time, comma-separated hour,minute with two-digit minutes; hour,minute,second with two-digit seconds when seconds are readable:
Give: 1,54
